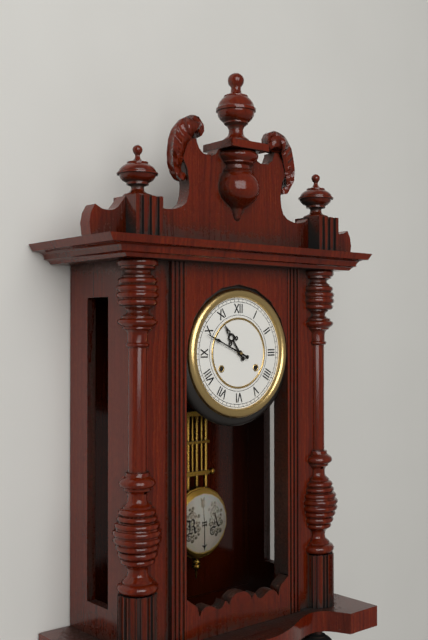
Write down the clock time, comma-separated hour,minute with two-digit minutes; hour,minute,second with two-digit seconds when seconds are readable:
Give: 10,49
